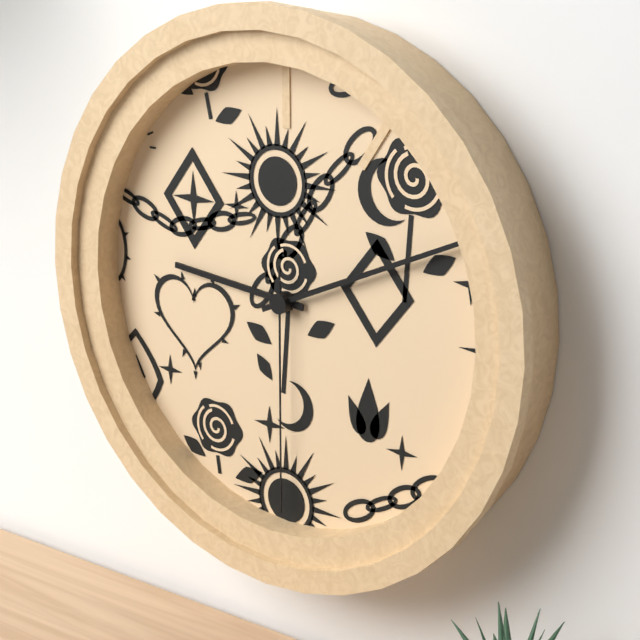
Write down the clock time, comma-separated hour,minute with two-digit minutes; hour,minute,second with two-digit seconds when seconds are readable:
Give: 9,11,30
